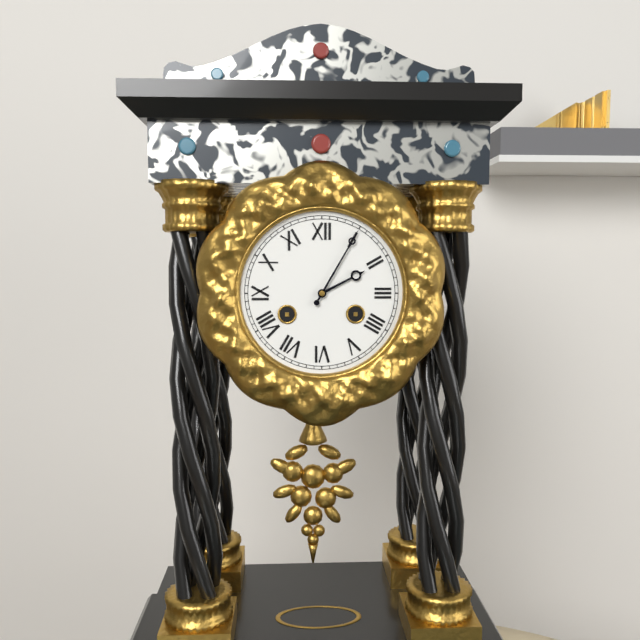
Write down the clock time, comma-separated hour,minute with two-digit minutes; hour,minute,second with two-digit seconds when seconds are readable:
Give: 2,05
